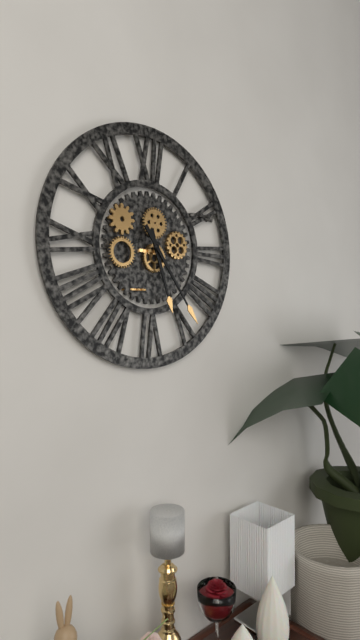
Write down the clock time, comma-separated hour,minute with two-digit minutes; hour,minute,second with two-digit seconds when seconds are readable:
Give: 5,24
